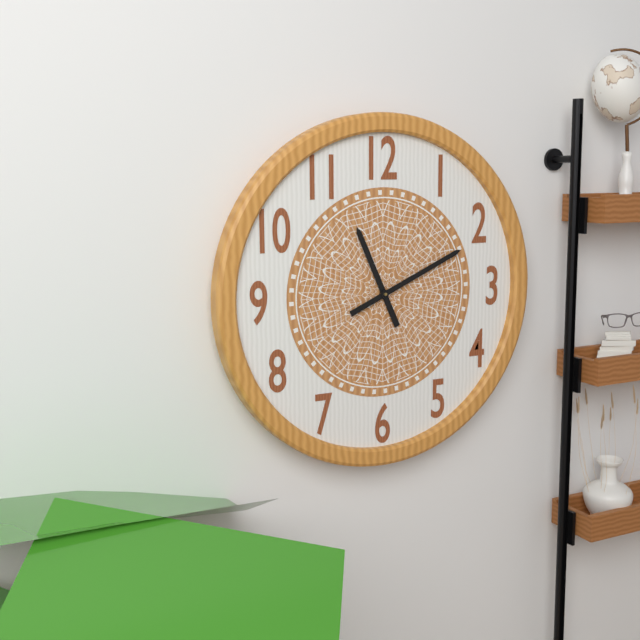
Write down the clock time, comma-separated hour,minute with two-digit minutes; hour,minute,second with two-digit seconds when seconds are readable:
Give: 11,11
